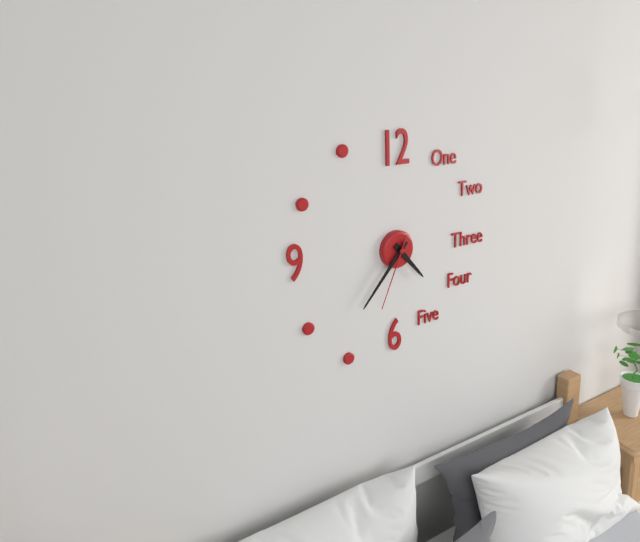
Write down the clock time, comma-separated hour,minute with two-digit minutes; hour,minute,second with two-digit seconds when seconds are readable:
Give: 4,37,34
